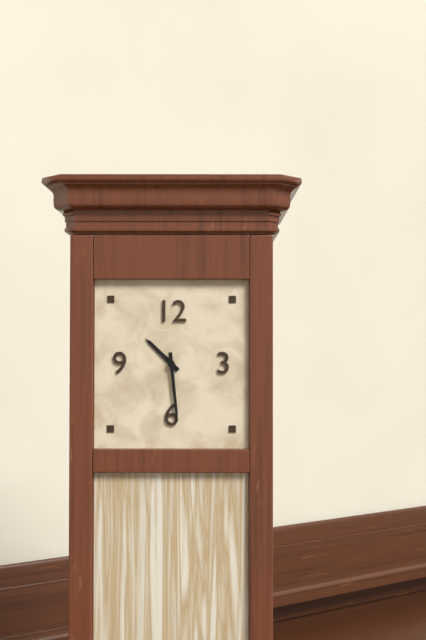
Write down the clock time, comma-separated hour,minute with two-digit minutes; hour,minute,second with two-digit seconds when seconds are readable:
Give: 10,29
